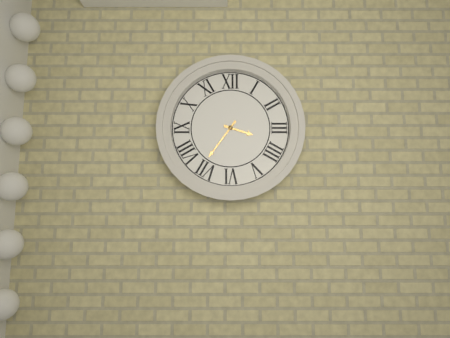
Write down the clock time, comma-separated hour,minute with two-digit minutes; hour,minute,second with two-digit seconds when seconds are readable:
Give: 3,36
